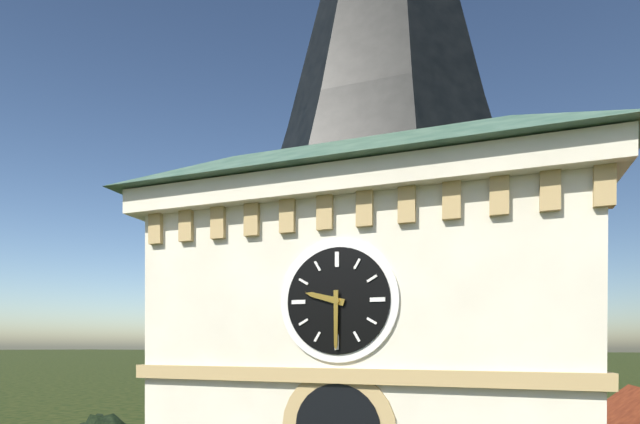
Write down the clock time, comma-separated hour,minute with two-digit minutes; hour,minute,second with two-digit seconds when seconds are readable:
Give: 9,30
